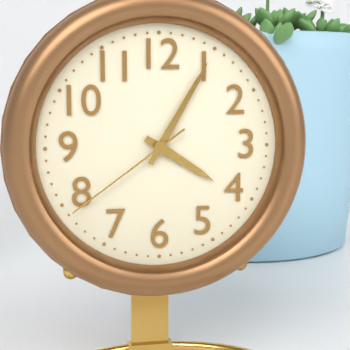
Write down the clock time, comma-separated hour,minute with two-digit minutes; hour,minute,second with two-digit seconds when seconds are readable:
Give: 4,05,39
